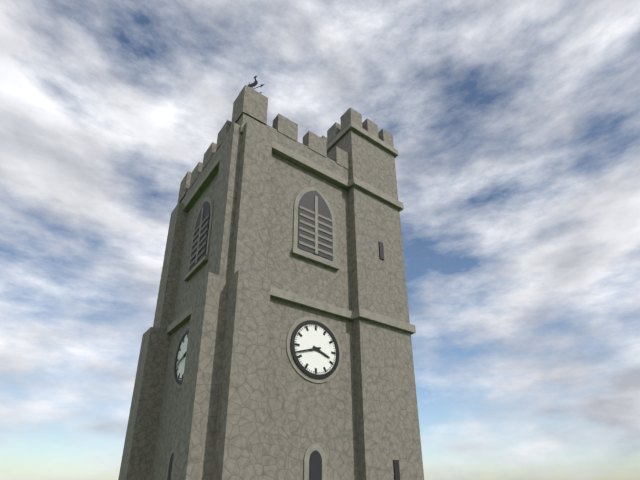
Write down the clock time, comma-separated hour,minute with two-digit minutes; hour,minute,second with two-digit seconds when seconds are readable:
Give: 3,42
